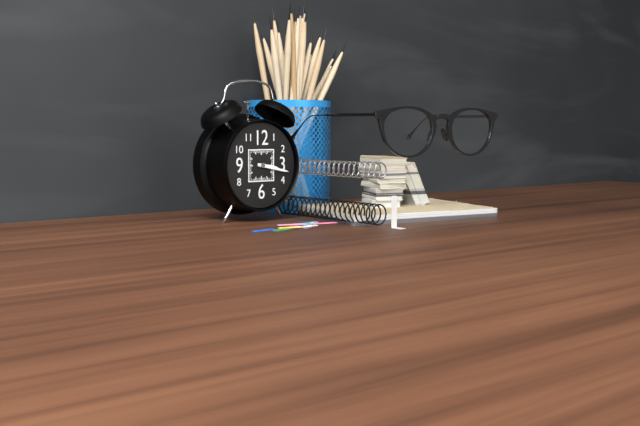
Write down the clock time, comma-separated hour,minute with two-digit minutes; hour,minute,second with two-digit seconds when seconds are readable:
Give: 3,17
